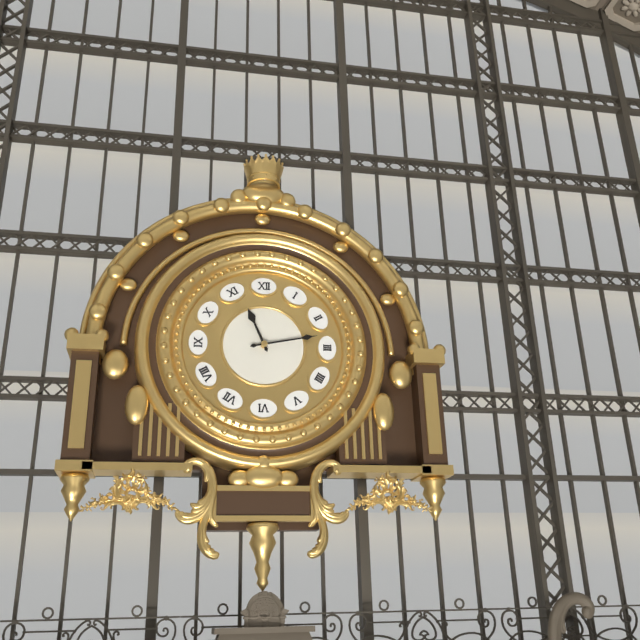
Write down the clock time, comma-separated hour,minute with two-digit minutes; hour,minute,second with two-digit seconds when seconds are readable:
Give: 11,13
